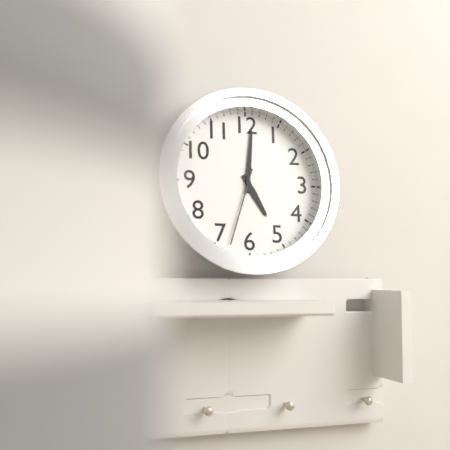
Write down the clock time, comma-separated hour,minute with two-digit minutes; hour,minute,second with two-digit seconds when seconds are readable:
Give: 5,01,33
